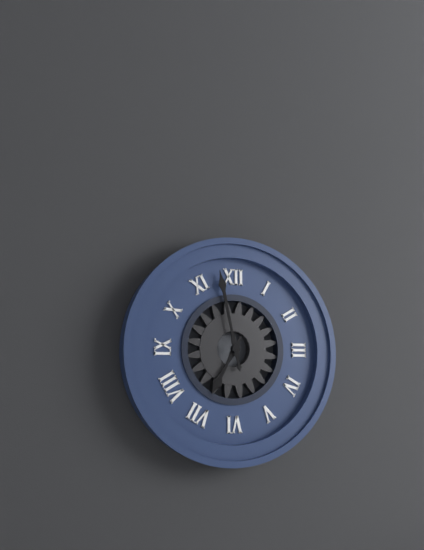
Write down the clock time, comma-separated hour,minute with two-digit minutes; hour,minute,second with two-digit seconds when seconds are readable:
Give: 6,58
